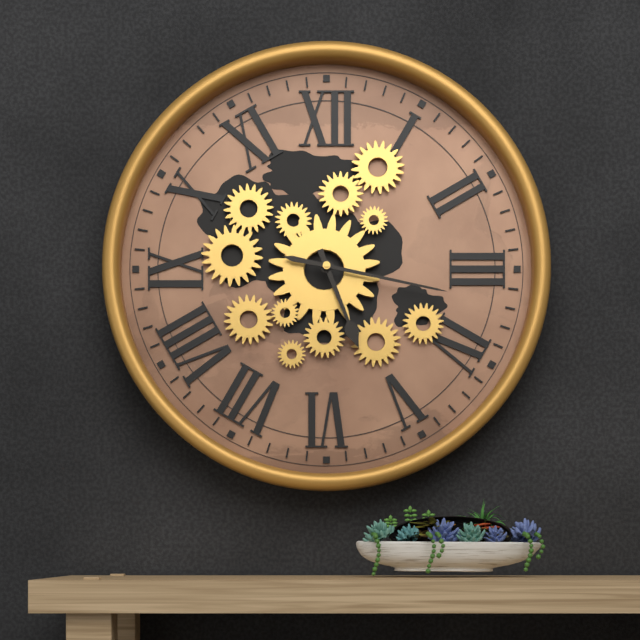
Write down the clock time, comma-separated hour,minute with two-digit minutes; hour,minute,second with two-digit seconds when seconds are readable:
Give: 5,17
